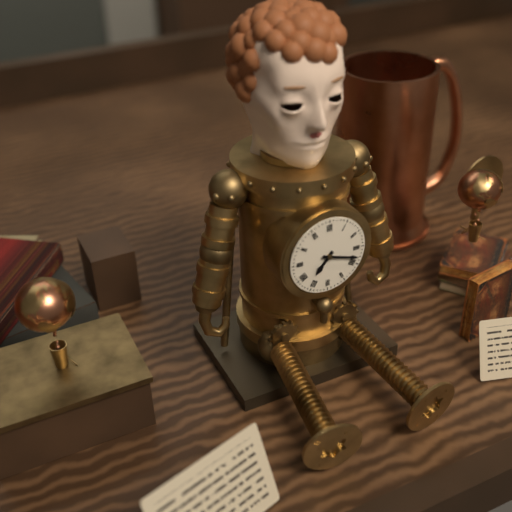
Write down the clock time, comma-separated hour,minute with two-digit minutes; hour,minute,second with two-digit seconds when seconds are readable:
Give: 7,18
